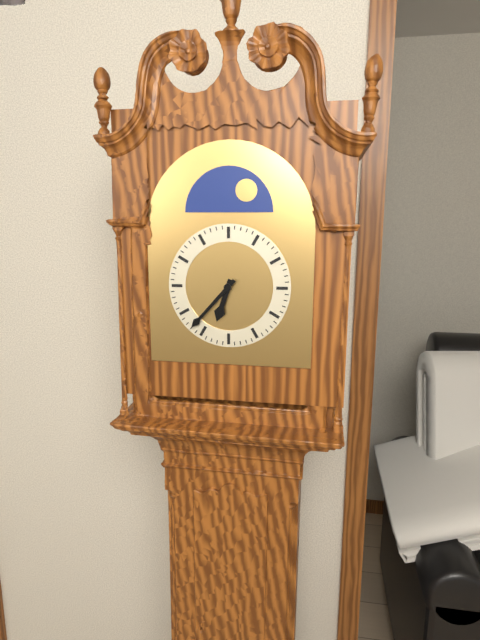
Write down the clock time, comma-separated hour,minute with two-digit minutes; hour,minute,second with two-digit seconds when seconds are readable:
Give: 6,37
